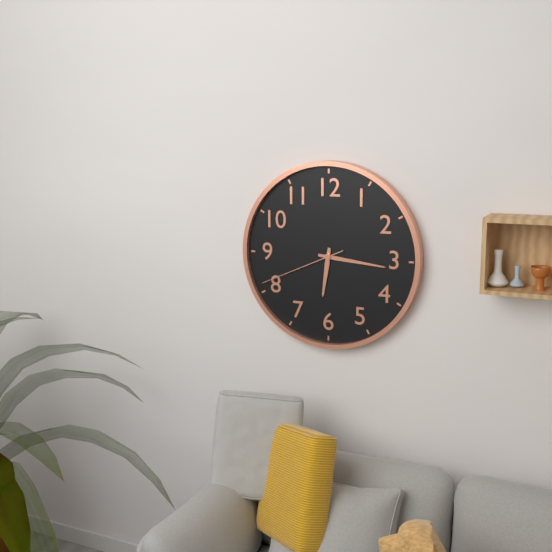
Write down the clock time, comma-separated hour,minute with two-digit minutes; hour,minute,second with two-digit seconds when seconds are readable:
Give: 6,16,41
